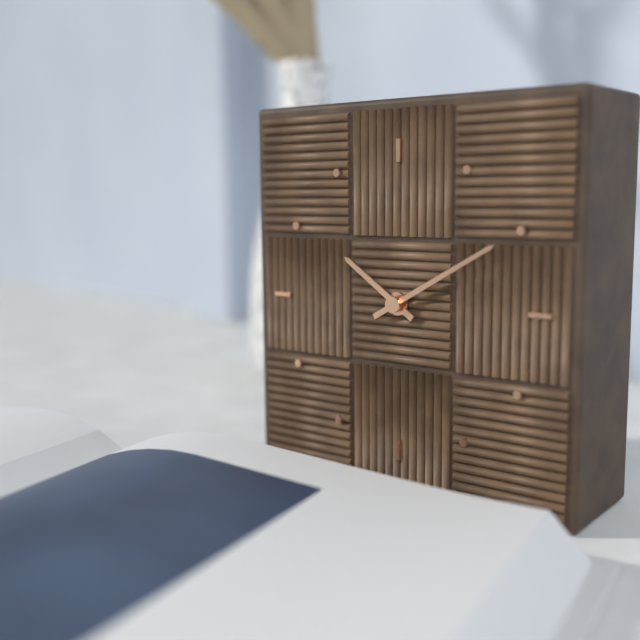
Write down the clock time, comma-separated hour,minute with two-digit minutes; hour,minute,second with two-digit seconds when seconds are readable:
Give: 10,10
